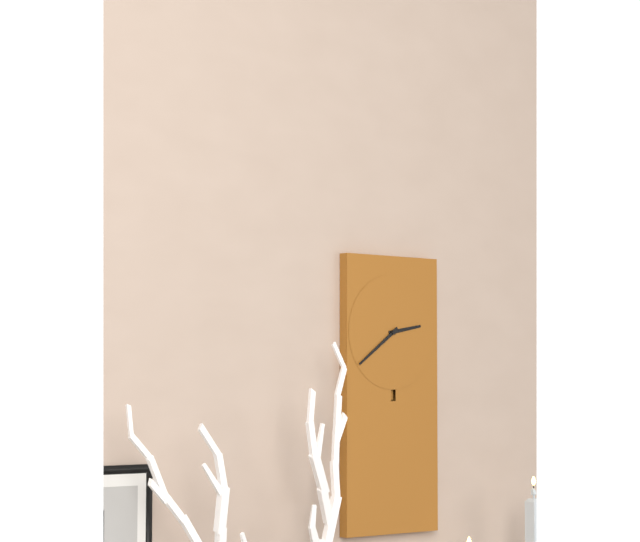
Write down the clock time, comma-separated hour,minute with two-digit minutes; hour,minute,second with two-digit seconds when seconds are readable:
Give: 2,39
